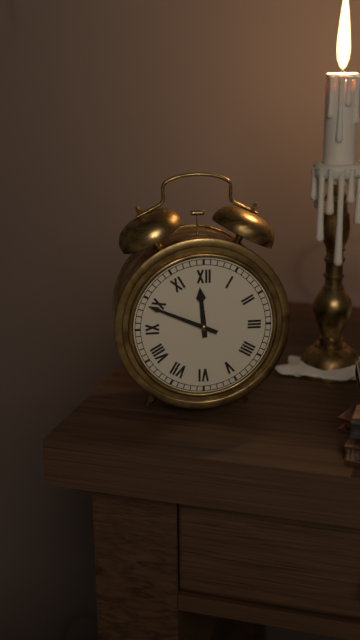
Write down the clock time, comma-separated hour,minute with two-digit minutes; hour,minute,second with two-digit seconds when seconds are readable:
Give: 11,49
